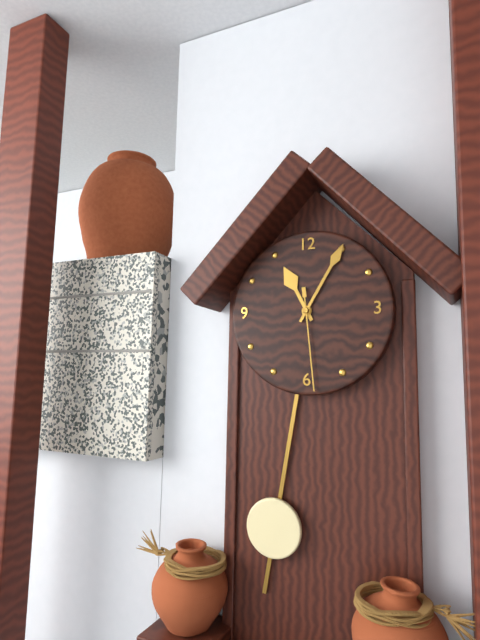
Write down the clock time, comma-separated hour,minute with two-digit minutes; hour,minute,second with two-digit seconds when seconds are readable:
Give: 11,05,29
